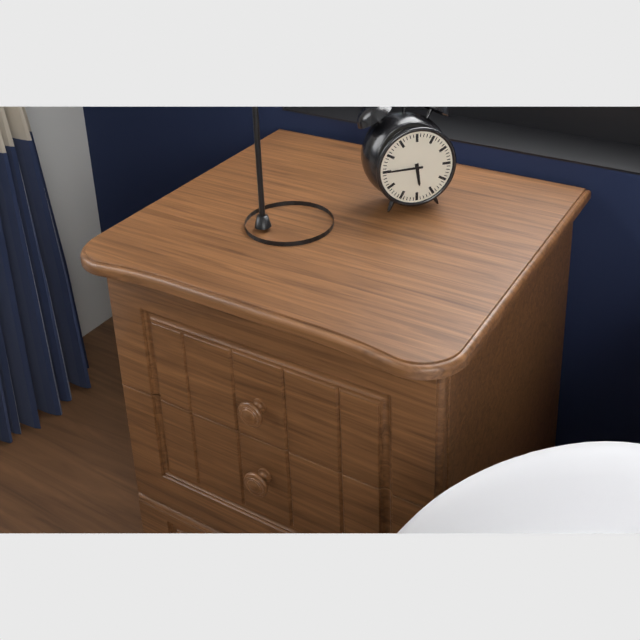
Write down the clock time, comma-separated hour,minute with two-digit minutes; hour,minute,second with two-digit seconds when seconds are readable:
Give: 5,45
